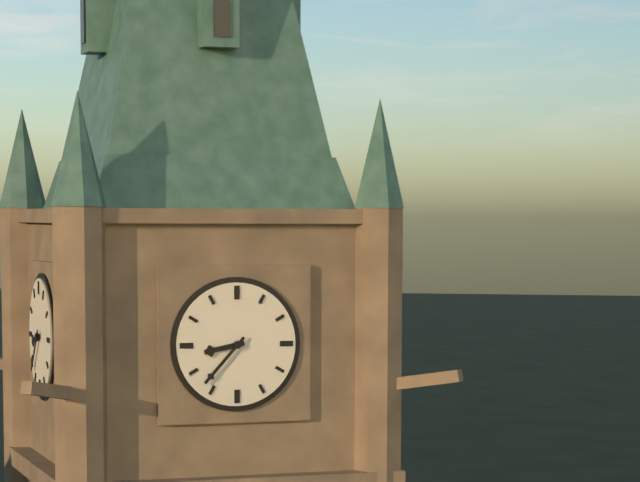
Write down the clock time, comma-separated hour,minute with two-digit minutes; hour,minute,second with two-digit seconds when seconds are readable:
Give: 8,37
